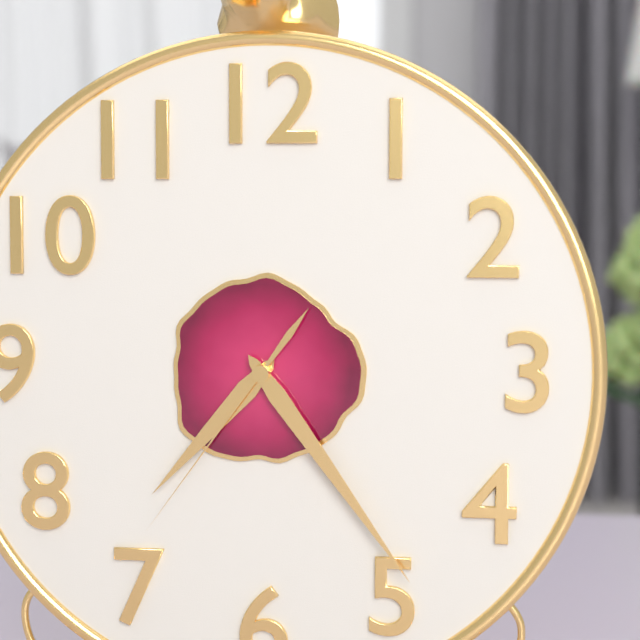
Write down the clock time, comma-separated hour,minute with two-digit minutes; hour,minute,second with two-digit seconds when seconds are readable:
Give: 7,24,36
